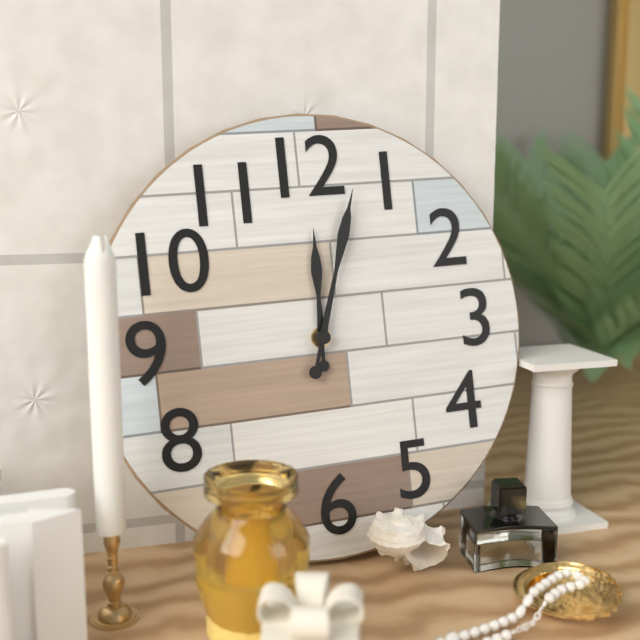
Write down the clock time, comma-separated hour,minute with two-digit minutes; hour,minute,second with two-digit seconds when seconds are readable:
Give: 12,03
